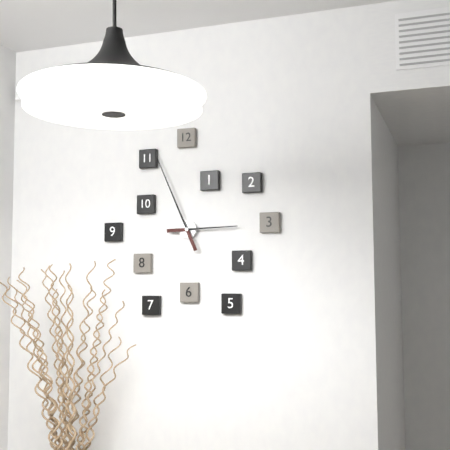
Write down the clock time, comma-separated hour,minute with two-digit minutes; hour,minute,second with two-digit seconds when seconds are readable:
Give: 2,56
